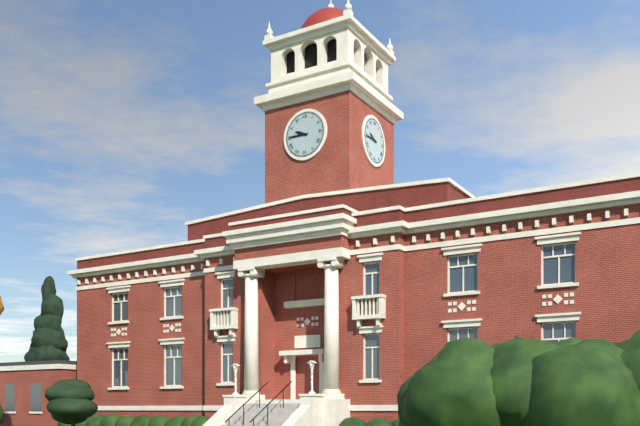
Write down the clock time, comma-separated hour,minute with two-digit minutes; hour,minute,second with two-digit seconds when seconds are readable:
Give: 9,45
